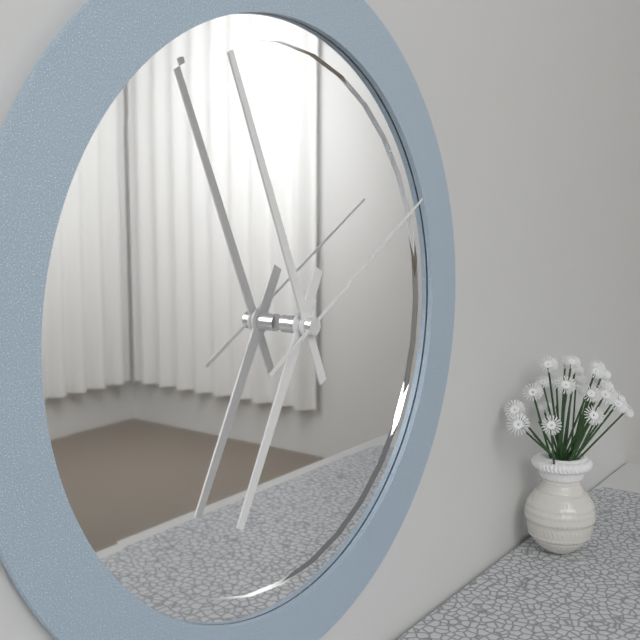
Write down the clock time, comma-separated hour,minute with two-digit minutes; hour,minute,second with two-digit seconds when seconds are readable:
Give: 6,56,10
